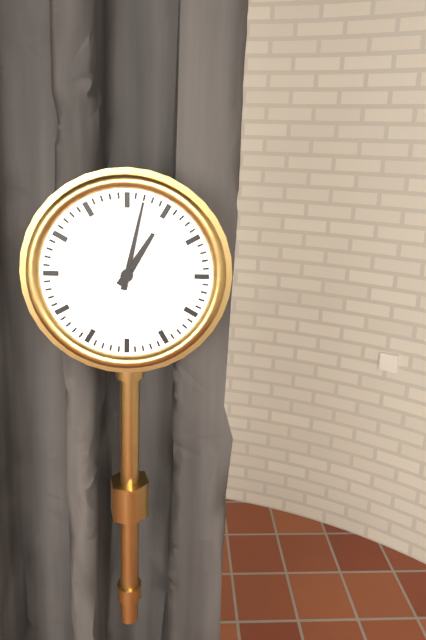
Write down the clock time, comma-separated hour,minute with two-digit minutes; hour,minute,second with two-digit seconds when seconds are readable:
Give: 1,02
